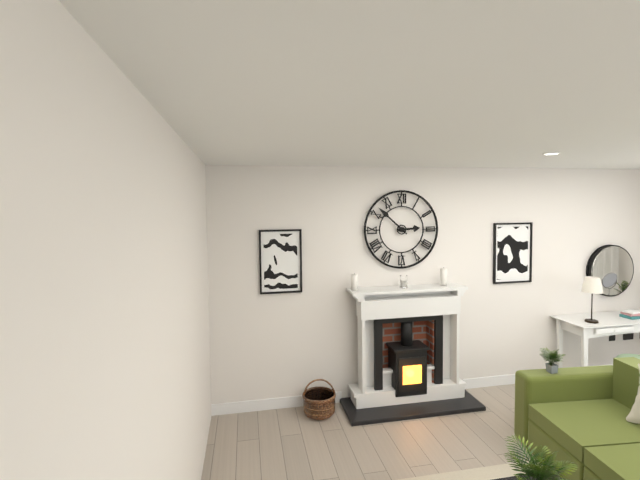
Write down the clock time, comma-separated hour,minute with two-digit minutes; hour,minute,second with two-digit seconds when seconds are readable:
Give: 2,52
